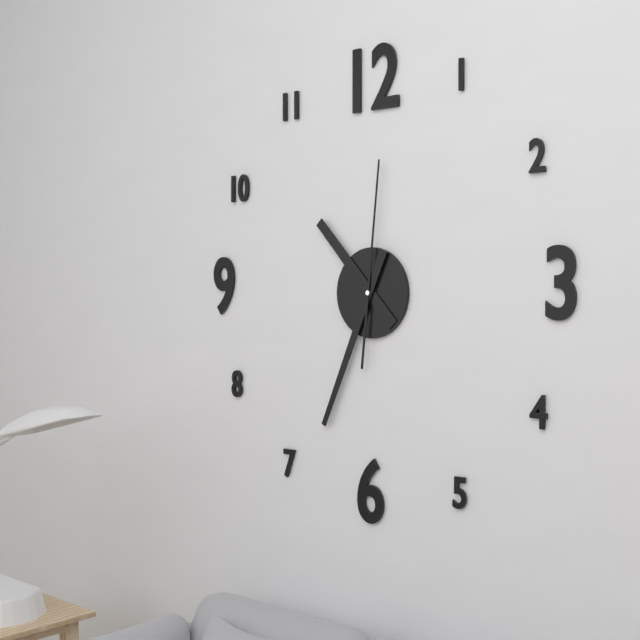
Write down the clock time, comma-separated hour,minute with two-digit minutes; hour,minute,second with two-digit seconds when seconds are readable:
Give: 10,34,01
